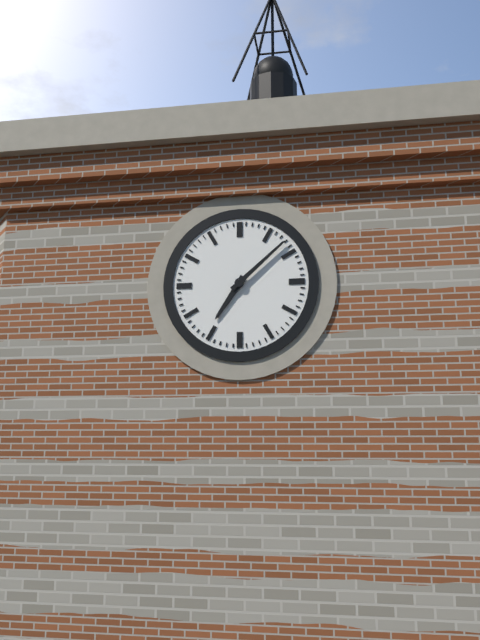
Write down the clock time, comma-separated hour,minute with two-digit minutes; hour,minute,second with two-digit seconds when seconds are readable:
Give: 7,08
